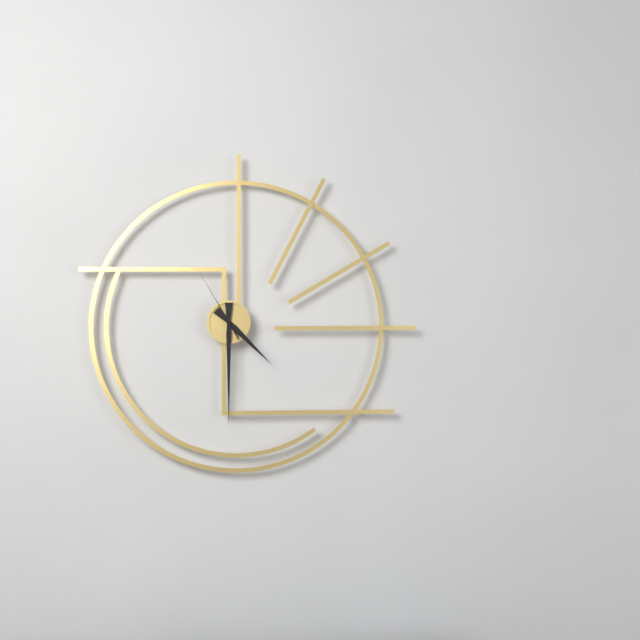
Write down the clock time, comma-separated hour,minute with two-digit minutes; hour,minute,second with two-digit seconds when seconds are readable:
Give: 4,30,55
